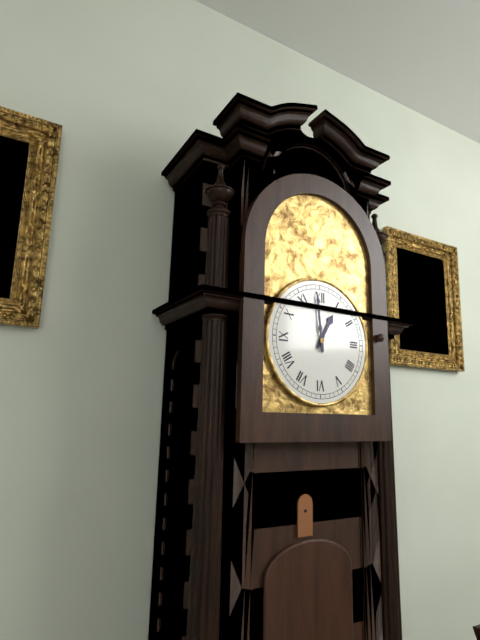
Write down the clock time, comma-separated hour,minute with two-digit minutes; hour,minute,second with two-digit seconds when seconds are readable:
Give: 12,59
